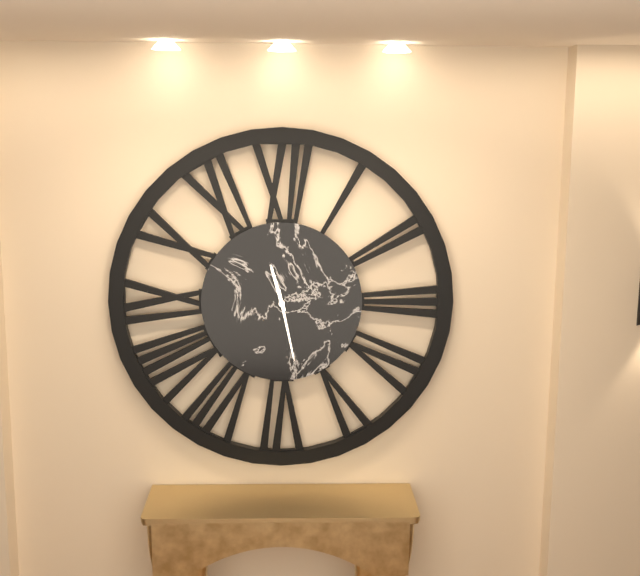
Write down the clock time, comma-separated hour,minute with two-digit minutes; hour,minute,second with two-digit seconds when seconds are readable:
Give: 11,28
